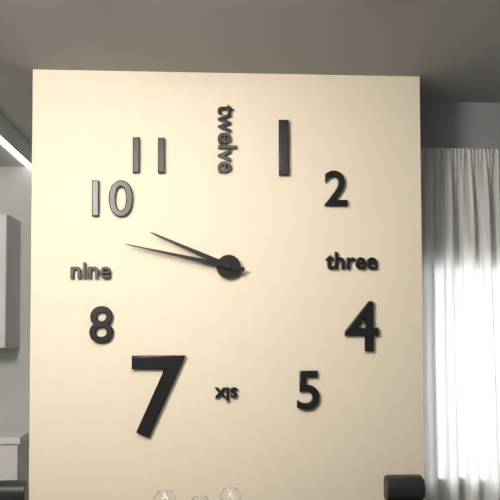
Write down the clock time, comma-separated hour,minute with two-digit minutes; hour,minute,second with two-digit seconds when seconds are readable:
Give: 9,47
